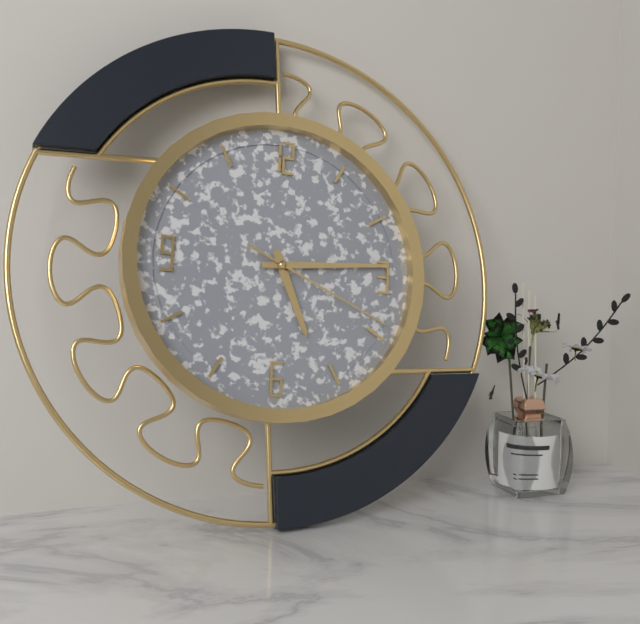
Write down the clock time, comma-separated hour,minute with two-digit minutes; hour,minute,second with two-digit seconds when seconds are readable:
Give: 5,14,19
